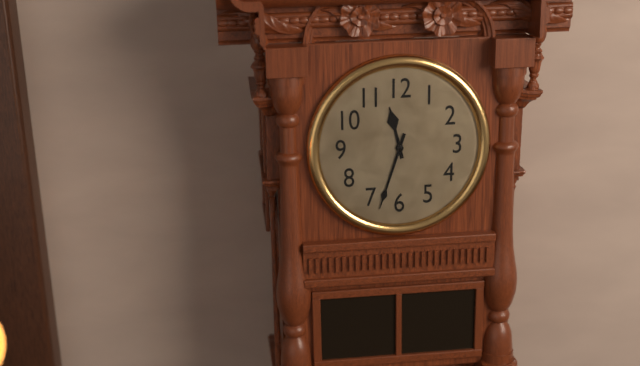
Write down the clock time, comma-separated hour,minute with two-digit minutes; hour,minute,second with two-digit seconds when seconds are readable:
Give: 11,33
